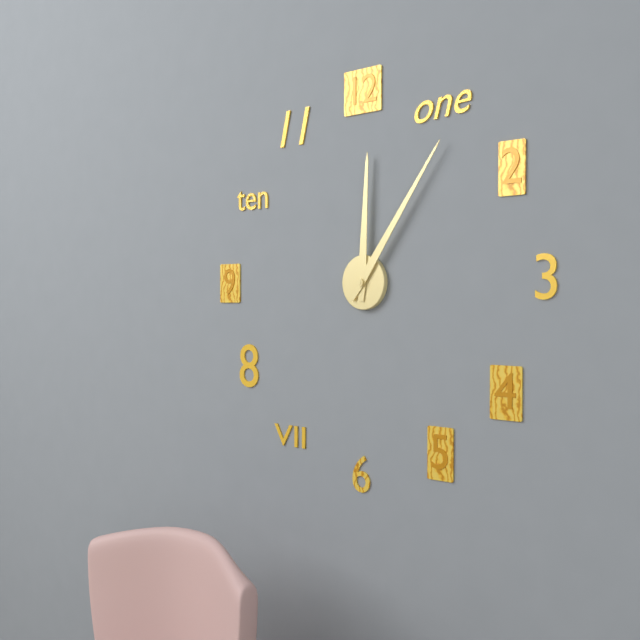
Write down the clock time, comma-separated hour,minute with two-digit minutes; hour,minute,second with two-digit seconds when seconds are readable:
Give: 12,06
